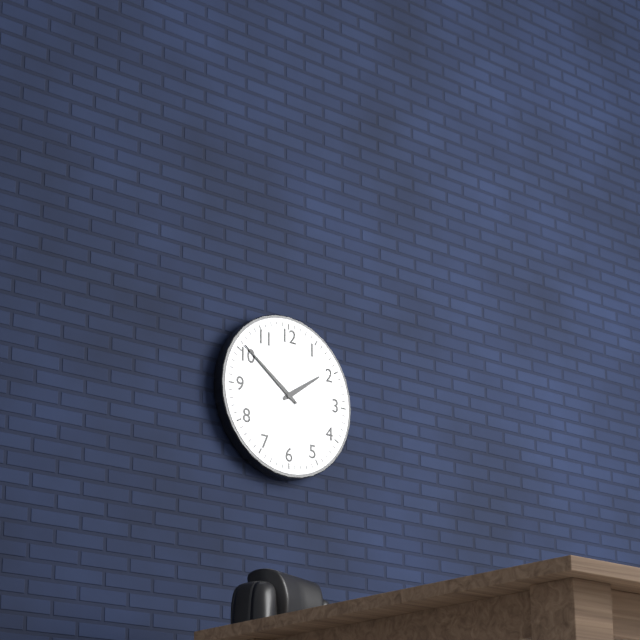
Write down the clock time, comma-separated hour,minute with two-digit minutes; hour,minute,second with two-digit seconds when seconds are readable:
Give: 1,51
